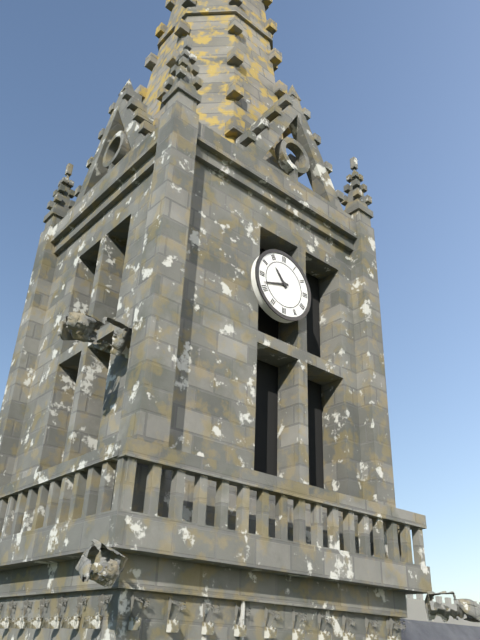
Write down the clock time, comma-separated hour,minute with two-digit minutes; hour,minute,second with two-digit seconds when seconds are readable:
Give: 10,42
